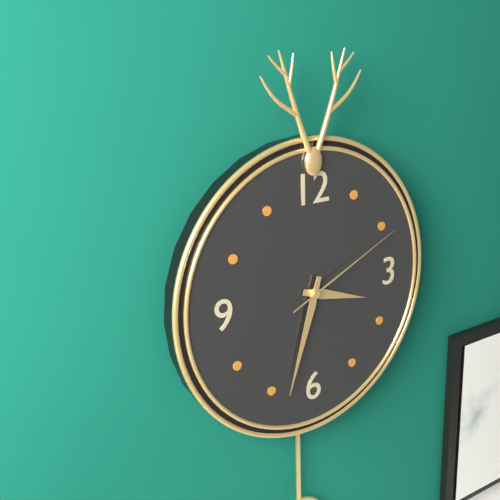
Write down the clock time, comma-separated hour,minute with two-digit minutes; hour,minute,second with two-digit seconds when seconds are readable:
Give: 3,33,11
